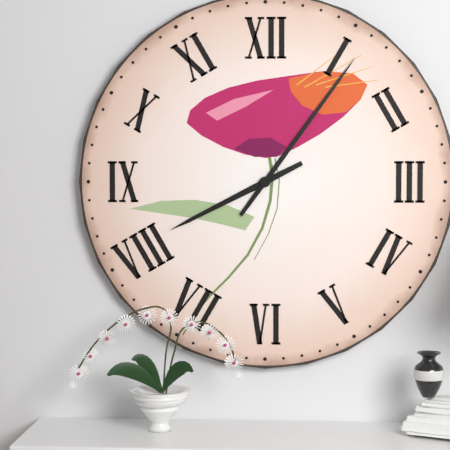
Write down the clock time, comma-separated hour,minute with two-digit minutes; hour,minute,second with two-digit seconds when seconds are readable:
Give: 8,06
